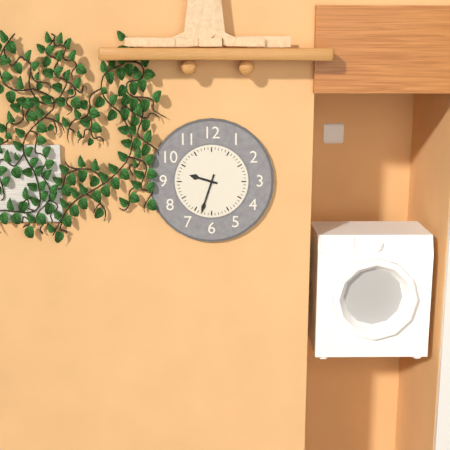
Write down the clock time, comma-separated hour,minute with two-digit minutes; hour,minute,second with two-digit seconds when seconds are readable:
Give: 9,33
